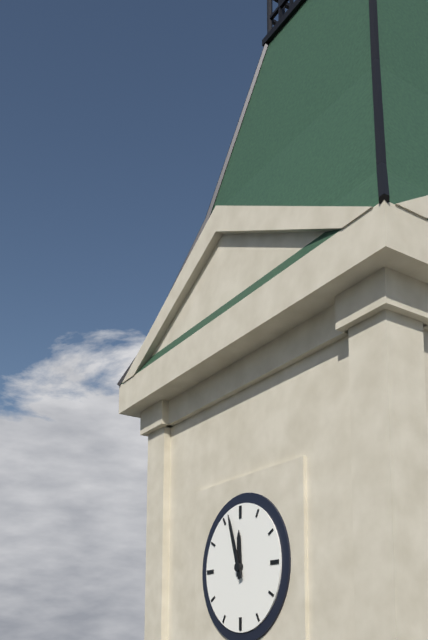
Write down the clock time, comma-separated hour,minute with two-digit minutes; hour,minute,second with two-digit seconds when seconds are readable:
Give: 11,57
